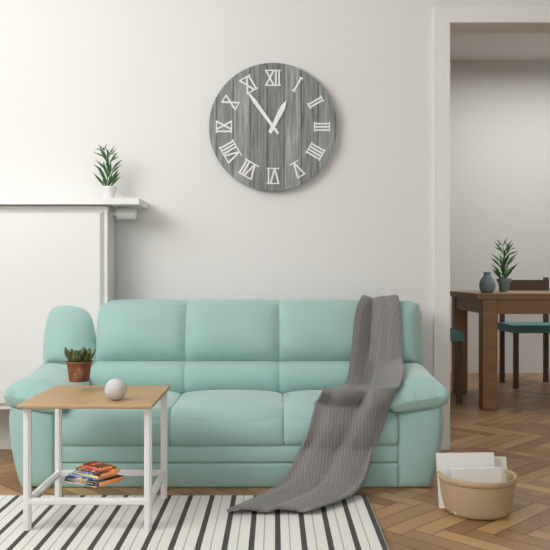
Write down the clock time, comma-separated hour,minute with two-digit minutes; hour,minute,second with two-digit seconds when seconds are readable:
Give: 12,54
